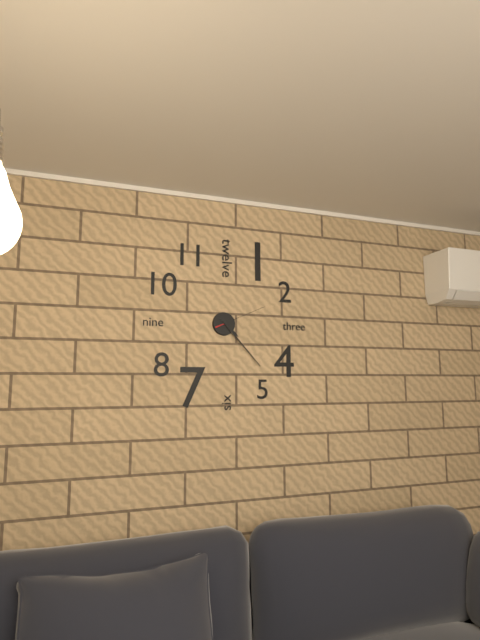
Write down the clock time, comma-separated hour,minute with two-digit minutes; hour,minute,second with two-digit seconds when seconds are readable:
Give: 4,23,11
